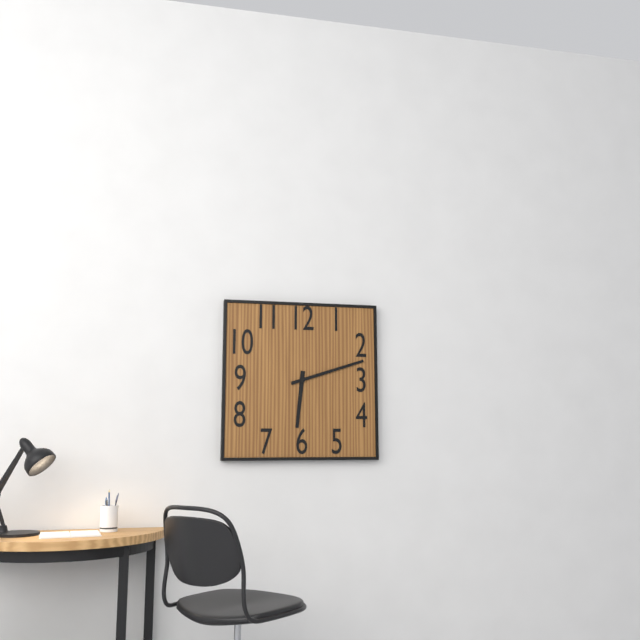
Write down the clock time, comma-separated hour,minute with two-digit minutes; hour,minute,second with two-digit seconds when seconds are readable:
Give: 6,12
